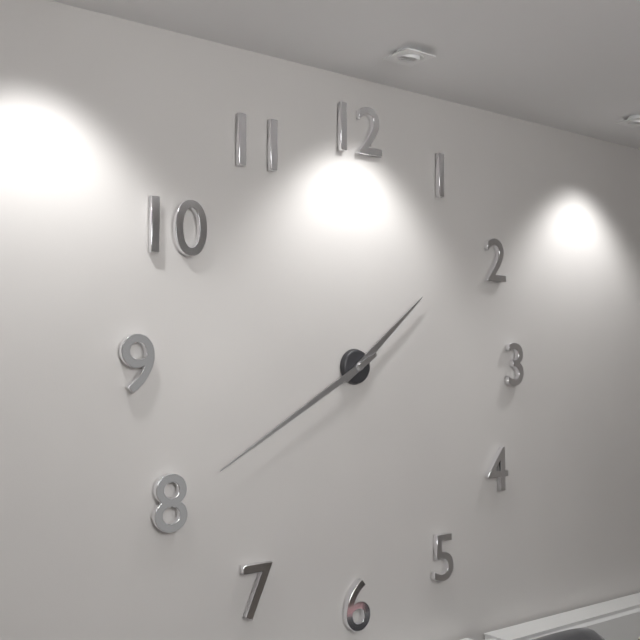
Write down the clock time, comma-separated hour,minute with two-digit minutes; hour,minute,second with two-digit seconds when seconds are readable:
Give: 1,40
